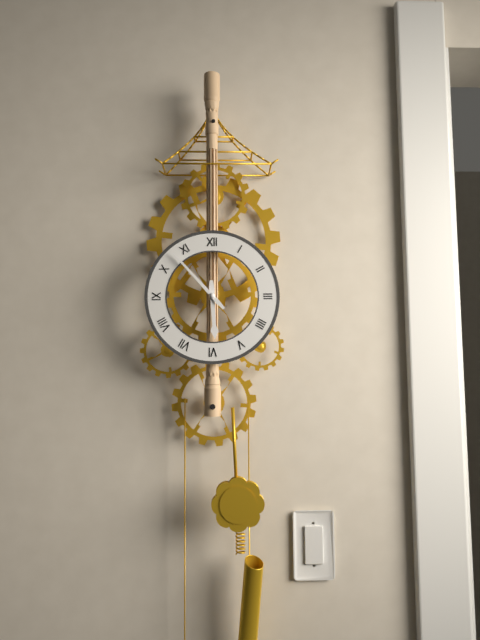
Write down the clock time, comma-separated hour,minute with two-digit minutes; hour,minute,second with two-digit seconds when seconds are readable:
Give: 5,53
